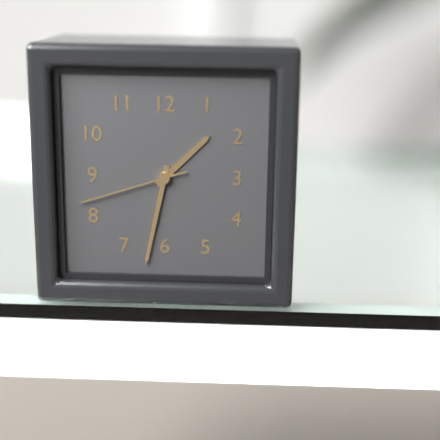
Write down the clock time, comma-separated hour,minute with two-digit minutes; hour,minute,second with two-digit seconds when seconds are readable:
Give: 1,32,42
